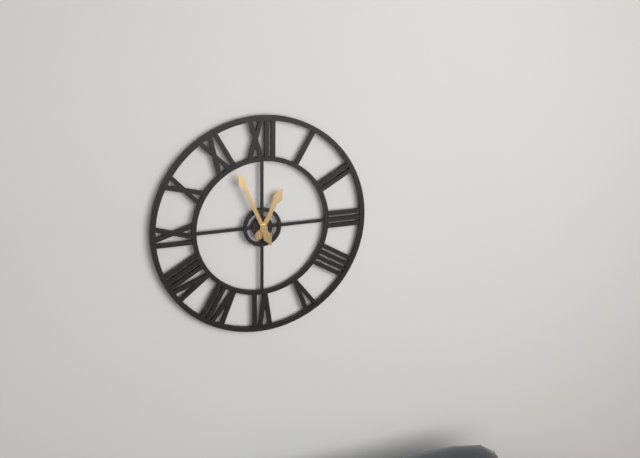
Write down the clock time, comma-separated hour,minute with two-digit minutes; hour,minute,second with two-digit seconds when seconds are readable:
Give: 12,56
